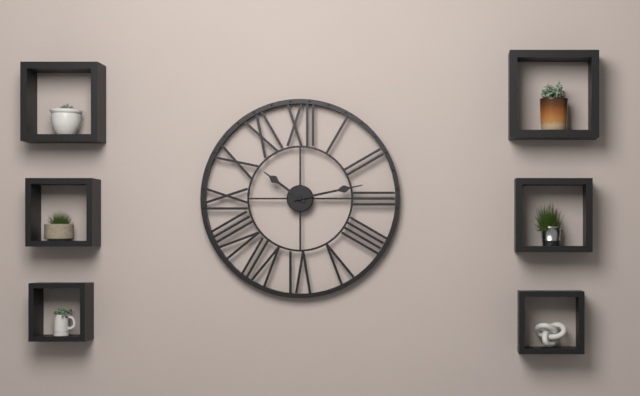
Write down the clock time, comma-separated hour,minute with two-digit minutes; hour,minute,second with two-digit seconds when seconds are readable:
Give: 10,13
